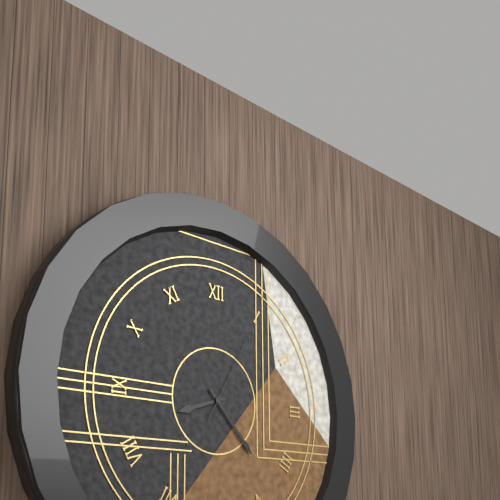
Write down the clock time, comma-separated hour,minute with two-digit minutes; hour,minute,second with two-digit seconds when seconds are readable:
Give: 8,23,05
